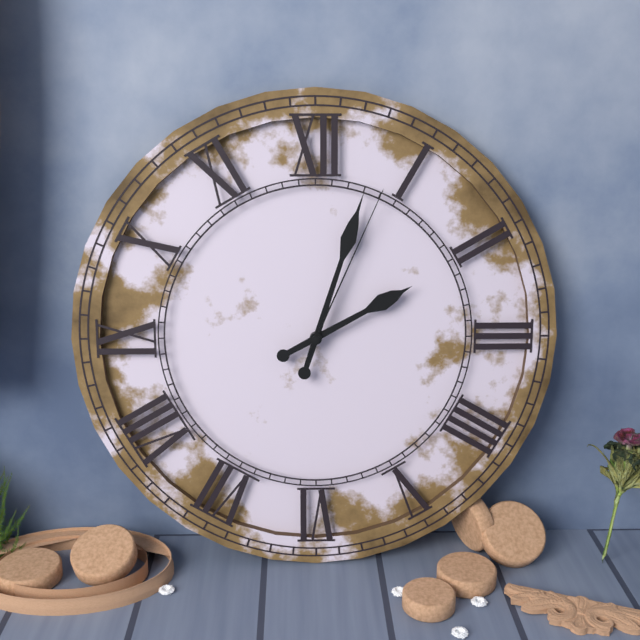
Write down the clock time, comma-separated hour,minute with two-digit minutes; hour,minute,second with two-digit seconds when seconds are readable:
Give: 2,03,04
